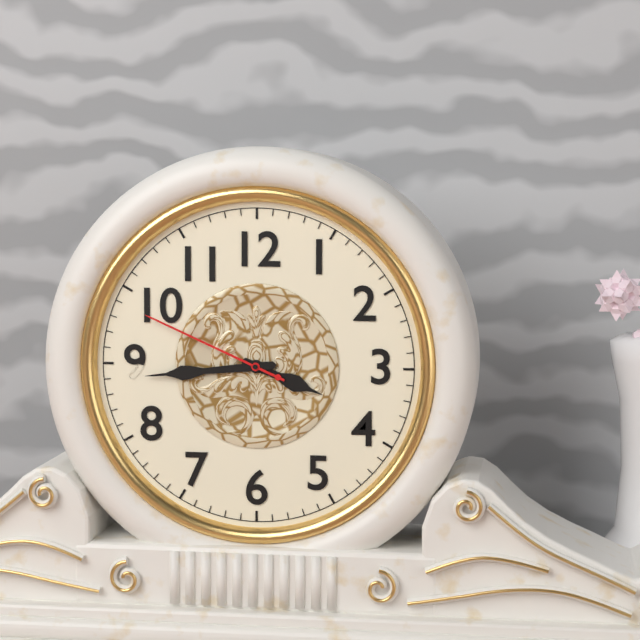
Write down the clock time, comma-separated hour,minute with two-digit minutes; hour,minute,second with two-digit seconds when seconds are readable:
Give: 3,44,49
